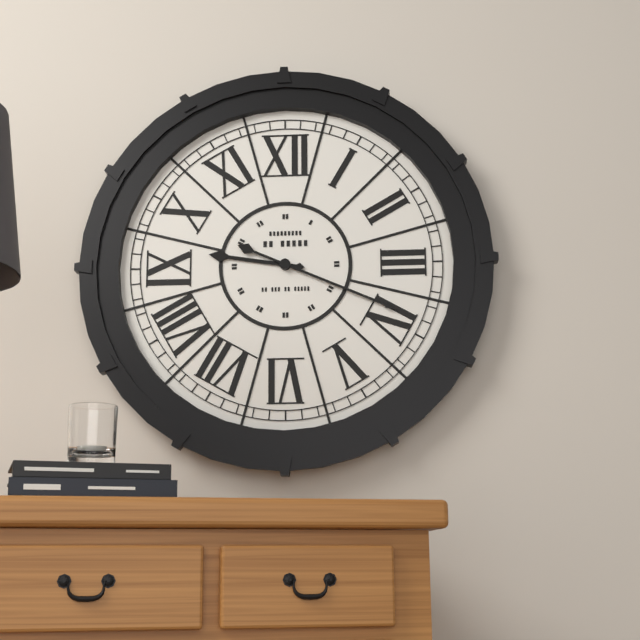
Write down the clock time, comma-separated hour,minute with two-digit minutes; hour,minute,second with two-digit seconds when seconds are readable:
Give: 9,19
